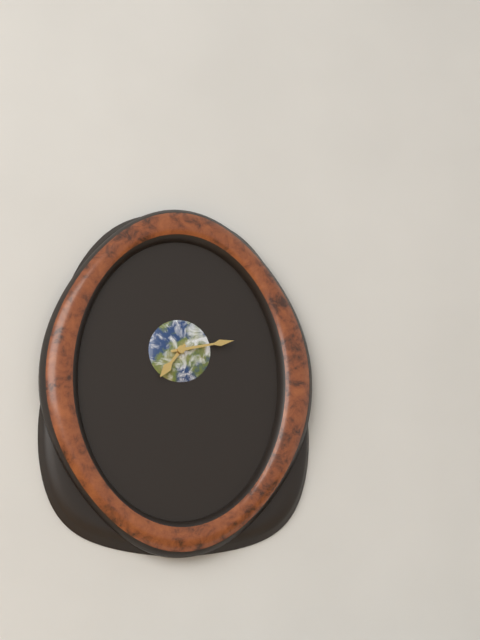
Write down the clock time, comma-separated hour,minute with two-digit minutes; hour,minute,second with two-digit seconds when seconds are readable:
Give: 7,13
